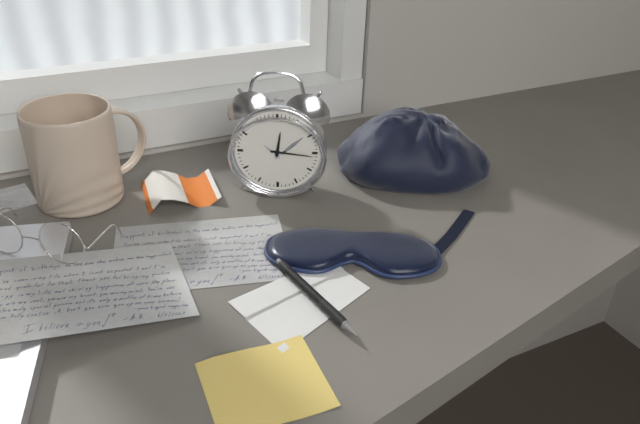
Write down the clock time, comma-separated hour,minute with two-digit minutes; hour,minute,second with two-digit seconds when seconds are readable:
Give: 12,16
